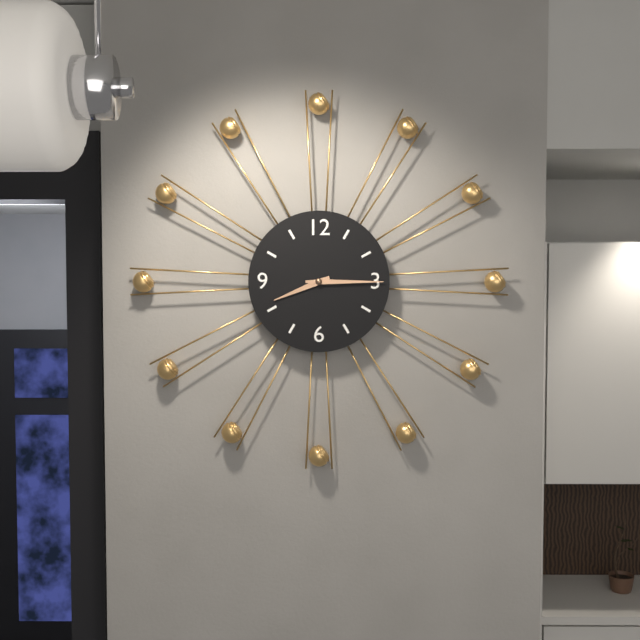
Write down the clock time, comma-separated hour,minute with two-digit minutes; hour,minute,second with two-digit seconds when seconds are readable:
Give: 8,15
